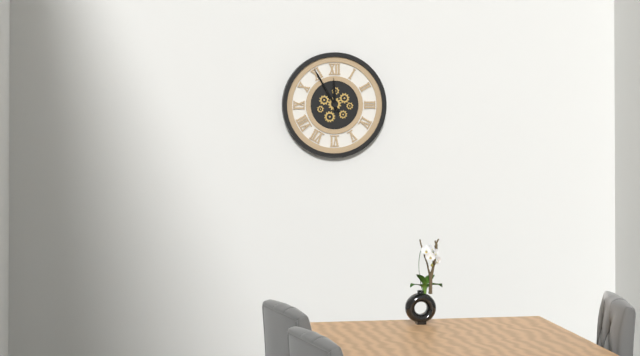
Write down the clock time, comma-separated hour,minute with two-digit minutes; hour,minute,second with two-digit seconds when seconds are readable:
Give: 11,55
